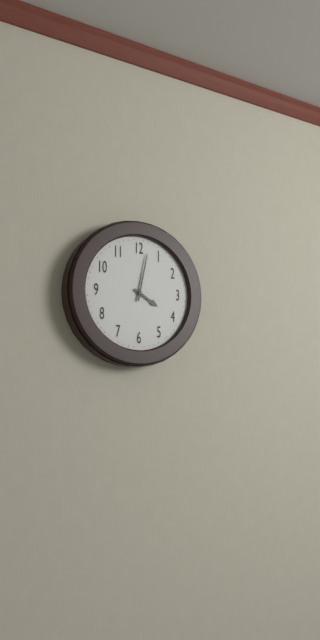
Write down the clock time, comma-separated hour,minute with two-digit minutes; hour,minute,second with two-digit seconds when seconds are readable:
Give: 4,02
